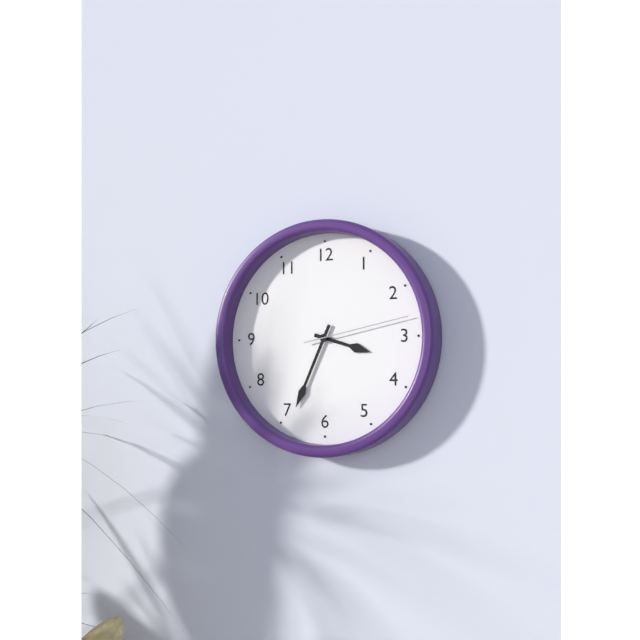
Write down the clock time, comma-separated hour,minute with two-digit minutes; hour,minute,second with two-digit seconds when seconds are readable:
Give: 3,34,13
